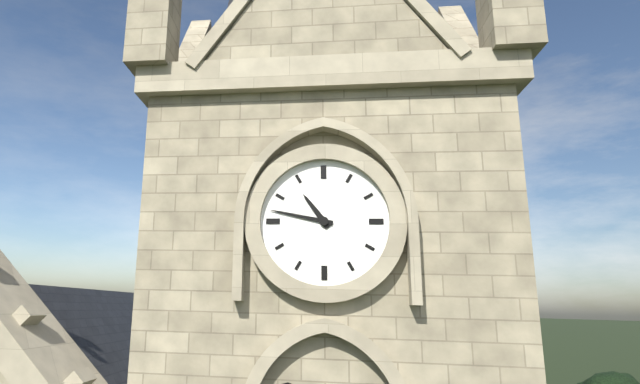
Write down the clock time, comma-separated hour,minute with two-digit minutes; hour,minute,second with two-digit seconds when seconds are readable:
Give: 10,47
